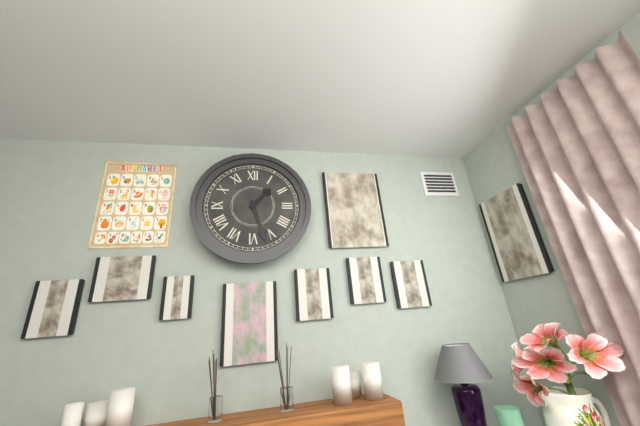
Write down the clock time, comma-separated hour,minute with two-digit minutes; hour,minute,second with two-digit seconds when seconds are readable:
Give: 1,27
